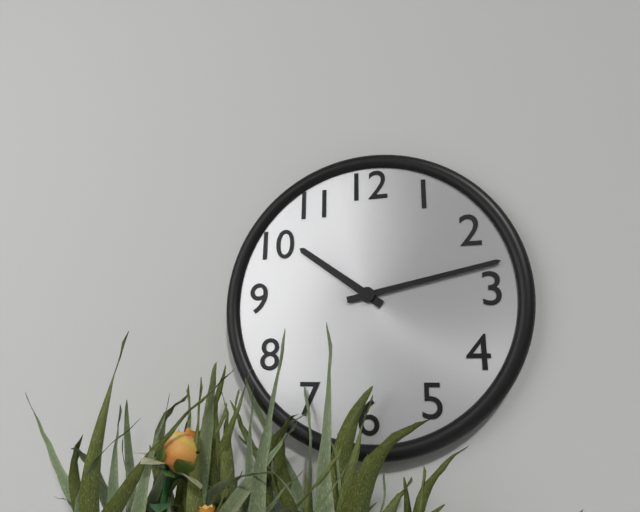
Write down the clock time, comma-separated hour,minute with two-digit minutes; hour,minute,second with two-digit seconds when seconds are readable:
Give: 10,13
